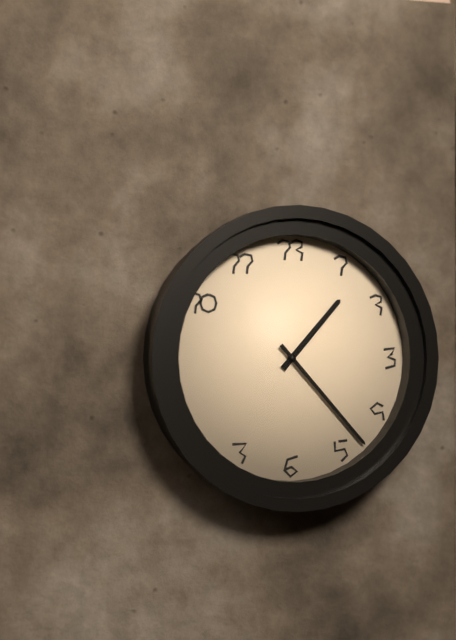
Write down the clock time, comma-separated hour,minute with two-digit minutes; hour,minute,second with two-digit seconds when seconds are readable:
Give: 1,23
